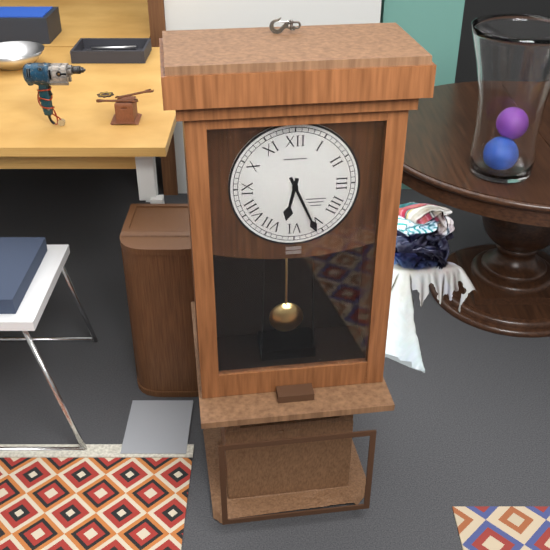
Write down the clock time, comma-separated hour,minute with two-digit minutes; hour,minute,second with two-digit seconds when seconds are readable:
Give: 6,26
